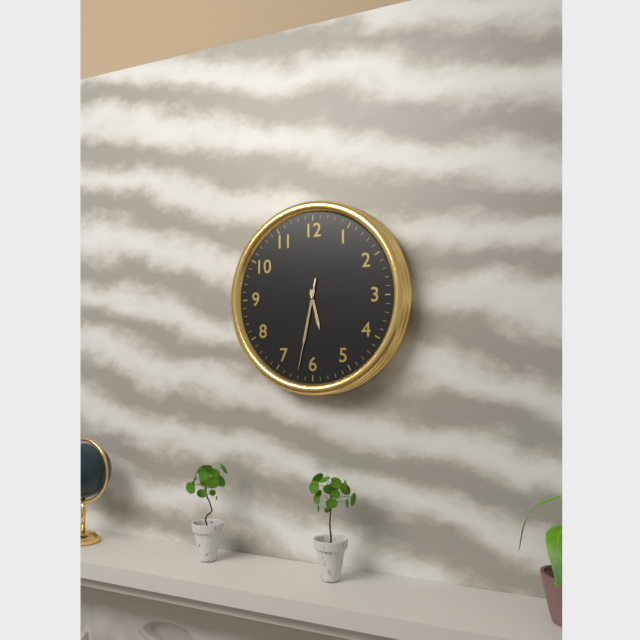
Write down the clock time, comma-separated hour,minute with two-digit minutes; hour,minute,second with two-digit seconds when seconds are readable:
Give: 5,32,32
